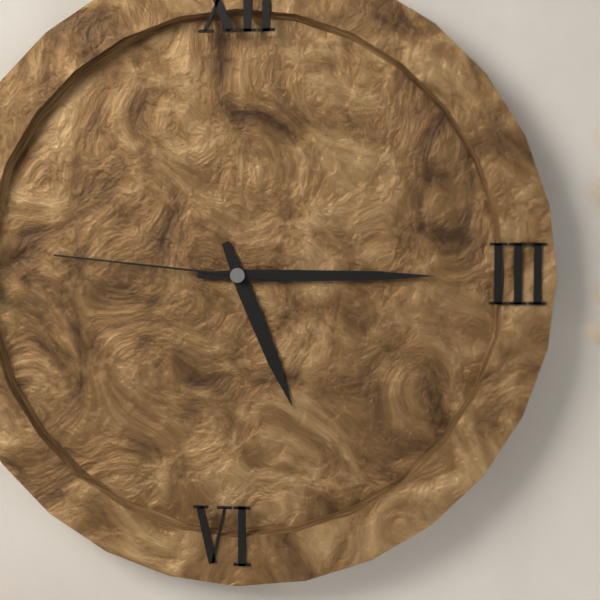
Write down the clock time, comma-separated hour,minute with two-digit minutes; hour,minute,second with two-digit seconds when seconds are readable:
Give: 5,15,46
